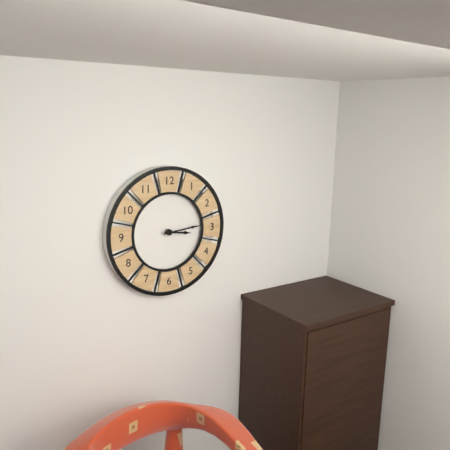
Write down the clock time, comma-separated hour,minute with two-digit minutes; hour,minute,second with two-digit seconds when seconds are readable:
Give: 3,14
